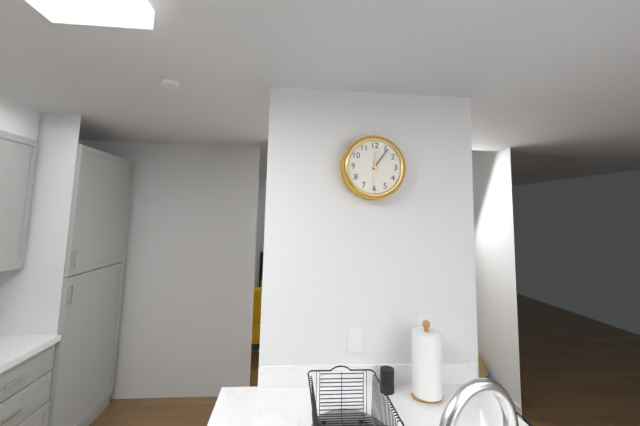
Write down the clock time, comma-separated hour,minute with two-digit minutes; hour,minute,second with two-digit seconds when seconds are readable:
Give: 12,06
